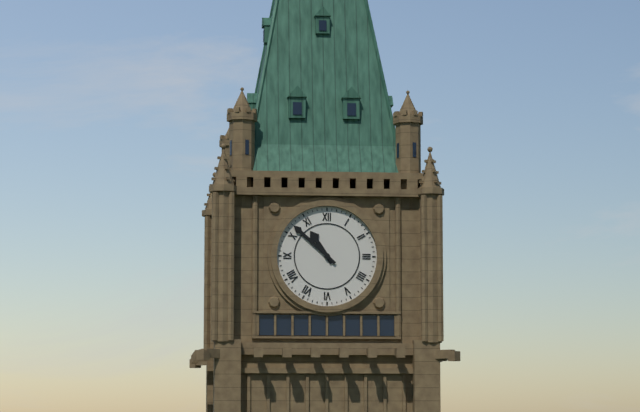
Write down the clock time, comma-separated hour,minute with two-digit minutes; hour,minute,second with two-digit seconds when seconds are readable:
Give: 10,52
